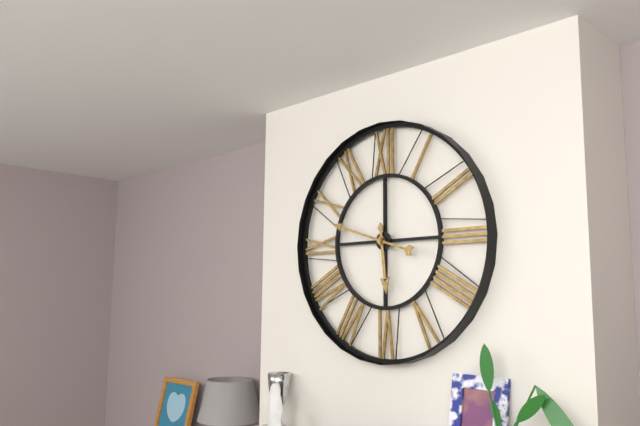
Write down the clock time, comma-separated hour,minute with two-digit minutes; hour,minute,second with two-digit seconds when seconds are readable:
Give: 5,48
